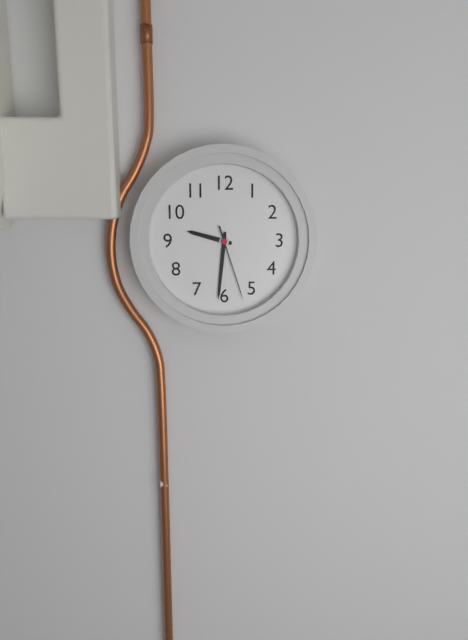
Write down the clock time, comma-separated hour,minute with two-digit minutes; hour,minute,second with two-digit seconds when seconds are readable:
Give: 9,31,27
